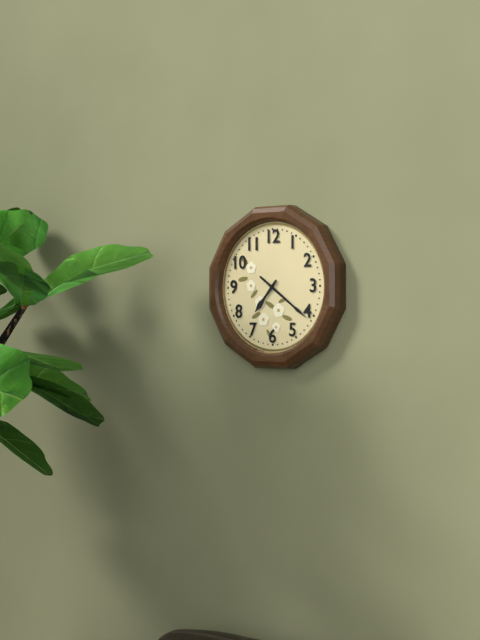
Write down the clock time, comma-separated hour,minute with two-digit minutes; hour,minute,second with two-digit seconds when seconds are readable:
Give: 7,21
